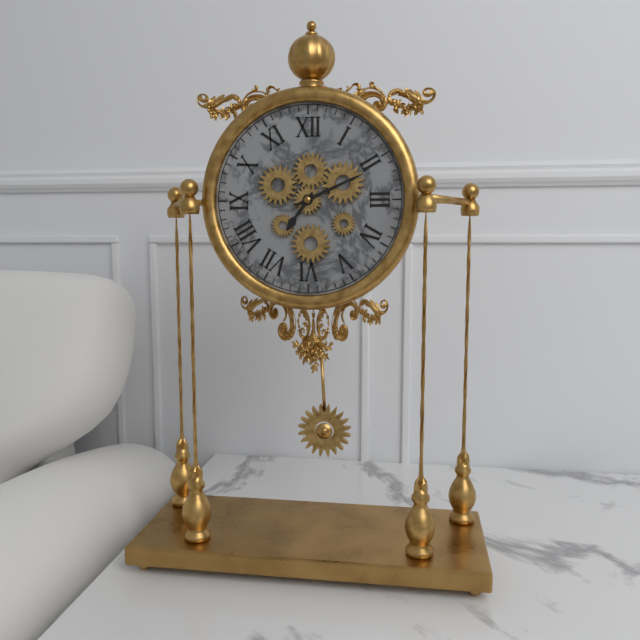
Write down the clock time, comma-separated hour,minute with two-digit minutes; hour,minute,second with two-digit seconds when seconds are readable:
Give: 7,11
